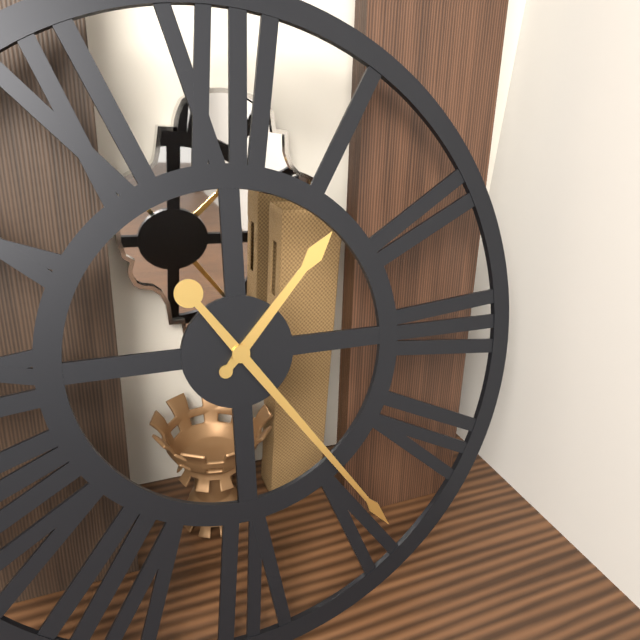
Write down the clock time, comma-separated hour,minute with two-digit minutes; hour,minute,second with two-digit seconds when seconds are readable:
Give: 1,24
